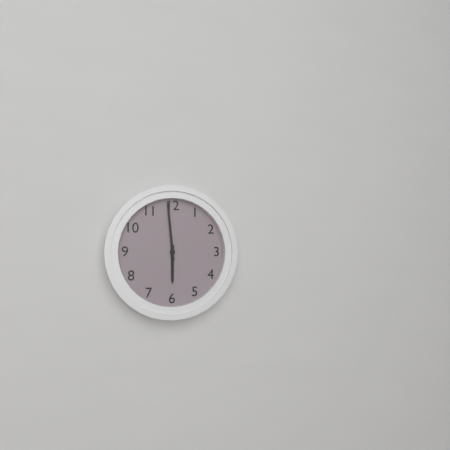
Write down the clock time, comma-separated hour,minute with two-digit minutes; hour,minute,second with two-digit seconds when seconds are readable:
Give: 5,59
